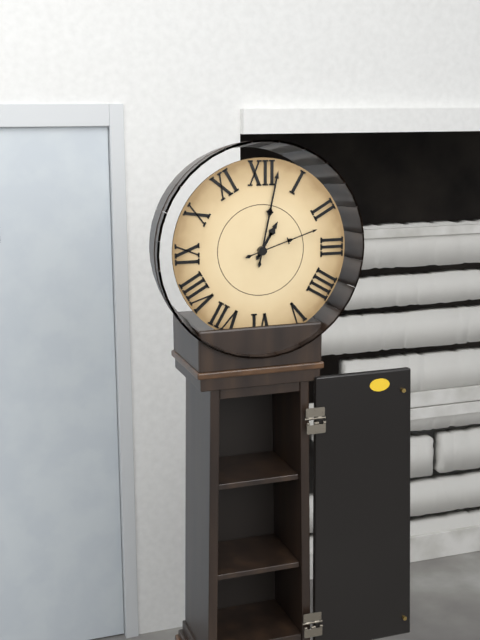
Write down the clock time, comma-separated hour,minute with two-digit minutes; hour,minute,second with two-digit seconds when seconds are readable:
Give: 1,02,12
